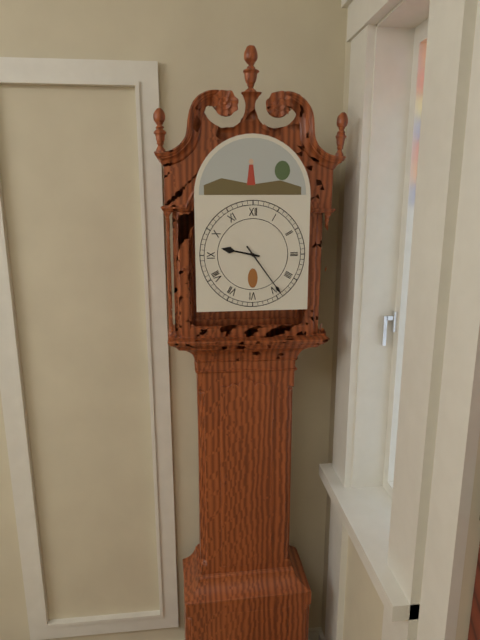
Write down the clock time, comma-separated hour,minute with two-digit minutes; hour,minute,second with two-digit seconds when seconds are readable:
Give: 9,24
